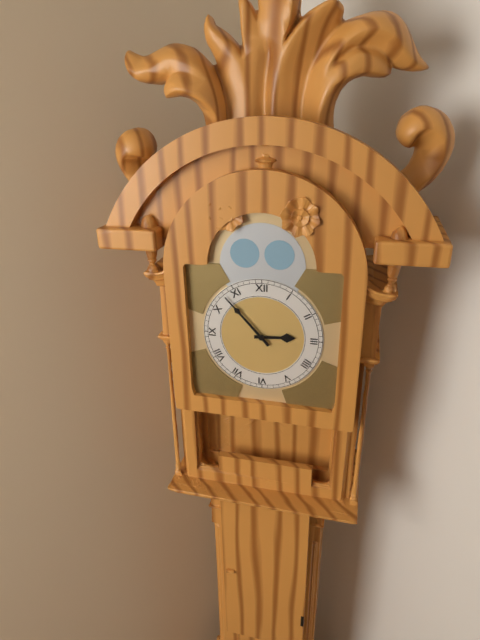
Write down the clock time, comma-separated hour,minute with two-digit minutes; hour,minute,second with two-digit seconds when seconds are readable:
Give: 2,53
